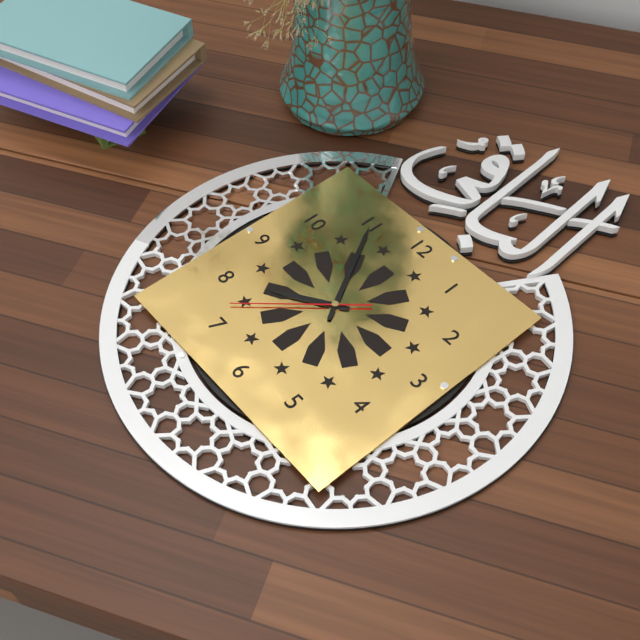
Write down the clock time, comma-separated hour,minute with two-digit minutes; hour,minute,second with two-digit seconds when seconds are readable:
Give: 7,55,37
